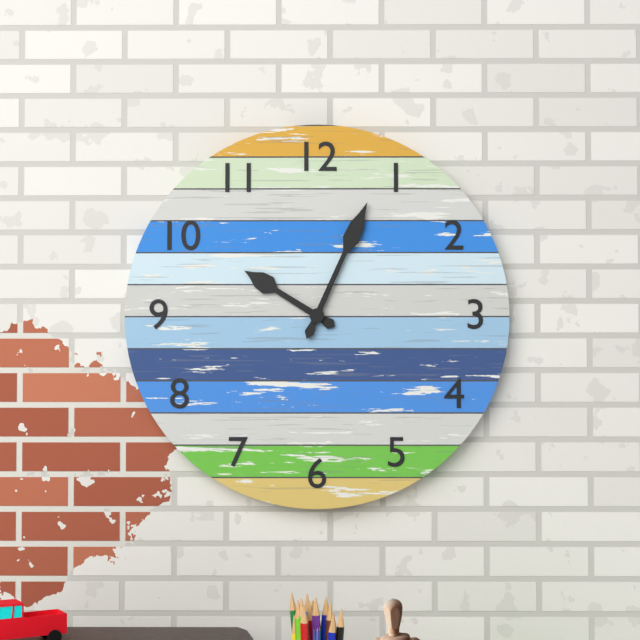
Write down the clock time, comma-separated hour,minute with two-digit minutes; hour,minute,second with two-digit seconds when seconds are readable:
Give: 10,04
